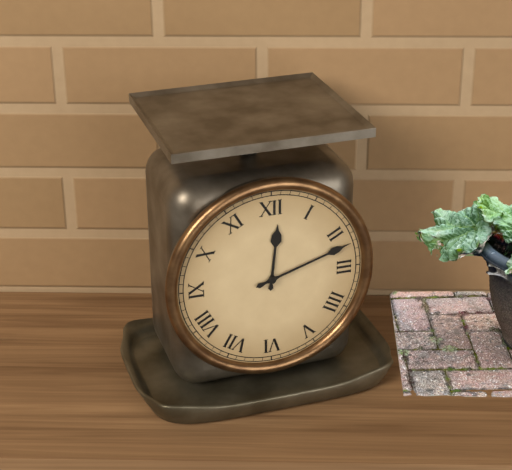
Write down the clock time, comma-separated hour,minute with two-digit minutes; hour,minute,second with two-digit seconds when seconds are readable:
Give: 12,12
